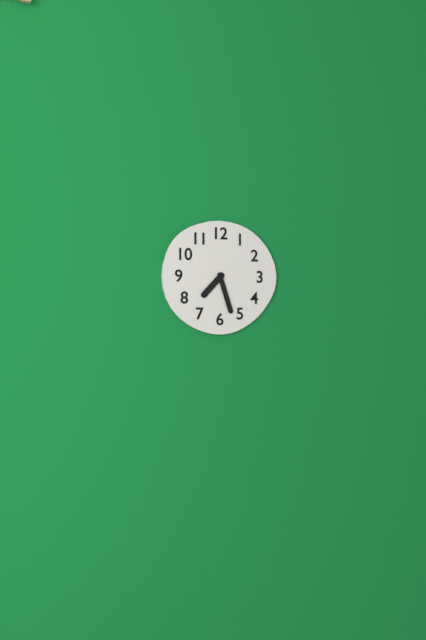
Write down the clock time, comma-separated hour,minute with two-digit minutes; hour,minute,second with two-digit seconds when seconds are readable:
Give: 7,27
